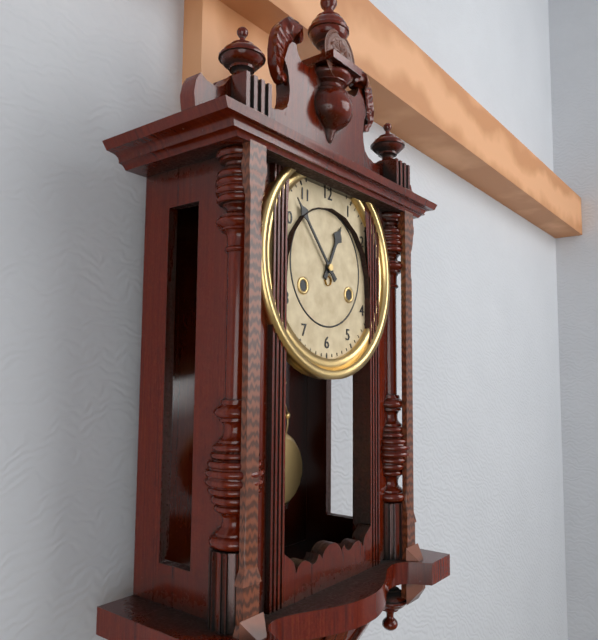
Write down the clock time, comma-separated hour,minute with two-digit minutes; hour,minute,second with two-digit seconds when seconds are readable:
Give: 12,53
